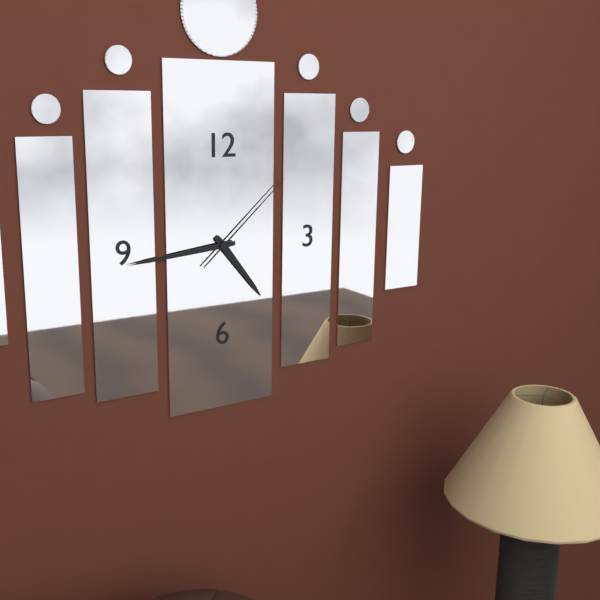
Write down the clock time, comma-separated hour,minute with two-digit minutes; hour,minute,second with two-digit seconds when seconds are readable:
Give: 4,44,08
